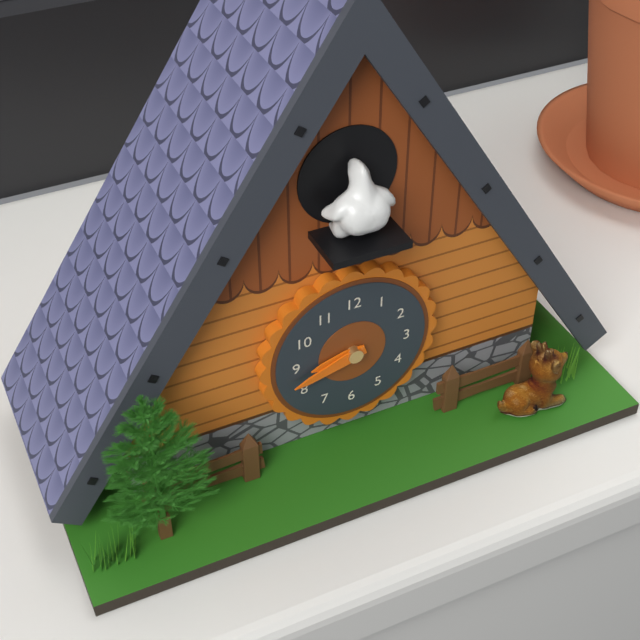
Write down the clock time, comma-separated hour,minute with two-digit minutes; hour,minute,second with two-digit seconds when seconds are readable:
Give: 8,42
